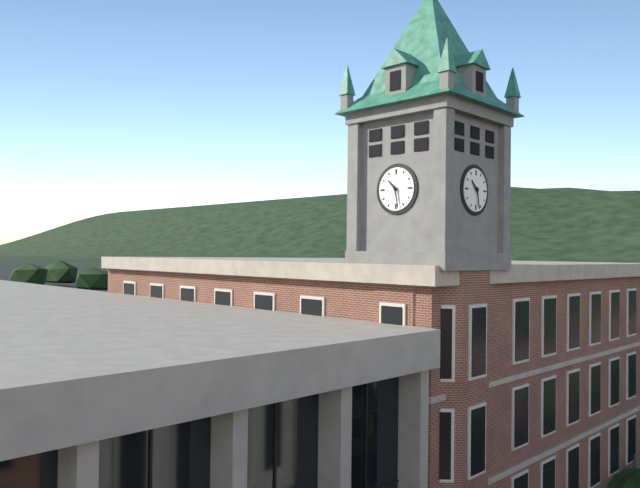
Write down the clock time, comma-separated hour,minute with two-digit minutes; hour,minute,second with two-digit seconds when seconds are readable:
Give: 10,28
